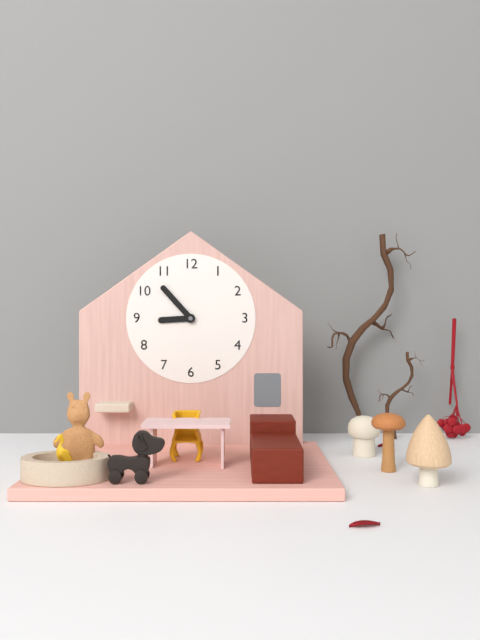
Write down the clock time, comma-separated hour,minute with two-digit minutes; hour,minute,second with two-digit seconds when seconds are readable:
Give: 8,53
